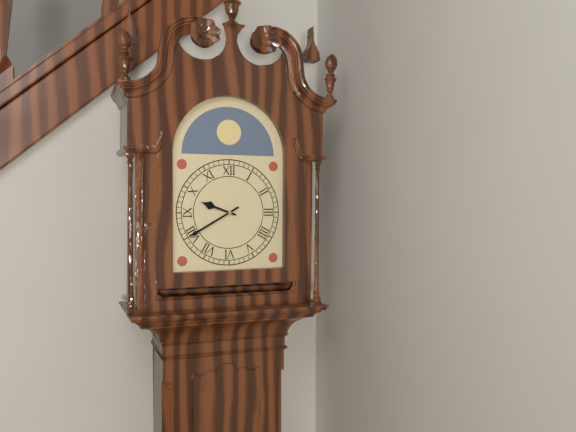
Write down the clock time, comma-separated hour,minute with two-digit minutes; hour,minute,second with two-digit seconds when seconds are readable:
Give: 9,40
